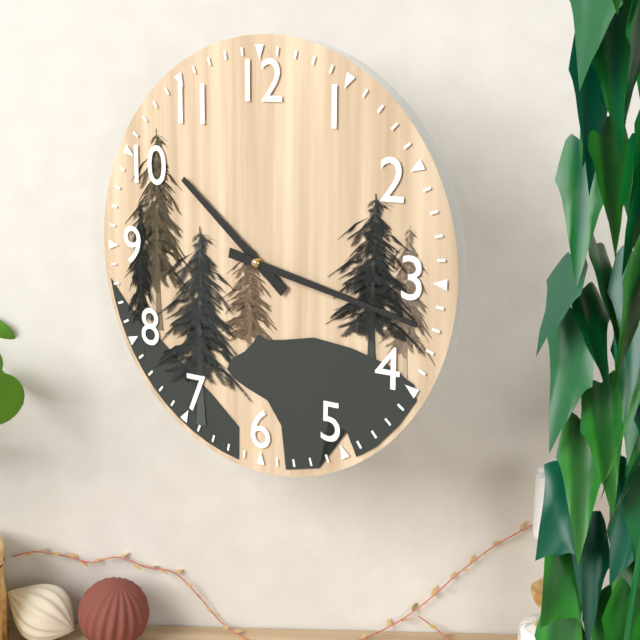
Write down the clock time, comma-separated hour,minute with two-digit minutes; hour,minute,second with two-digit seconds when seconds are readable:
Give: 10,17
